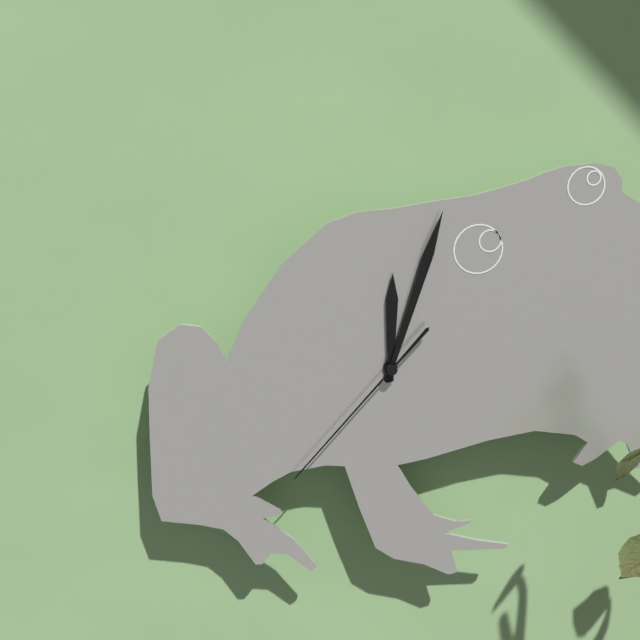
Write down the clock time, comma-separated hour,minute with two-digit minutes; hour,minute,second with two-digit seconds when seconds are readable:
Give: 12,03,37
